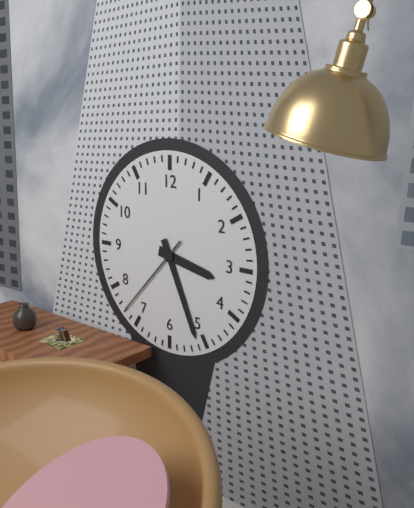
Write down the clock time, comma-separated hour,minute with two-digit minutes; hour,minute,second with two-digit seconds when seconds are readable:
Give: 3,26,37
